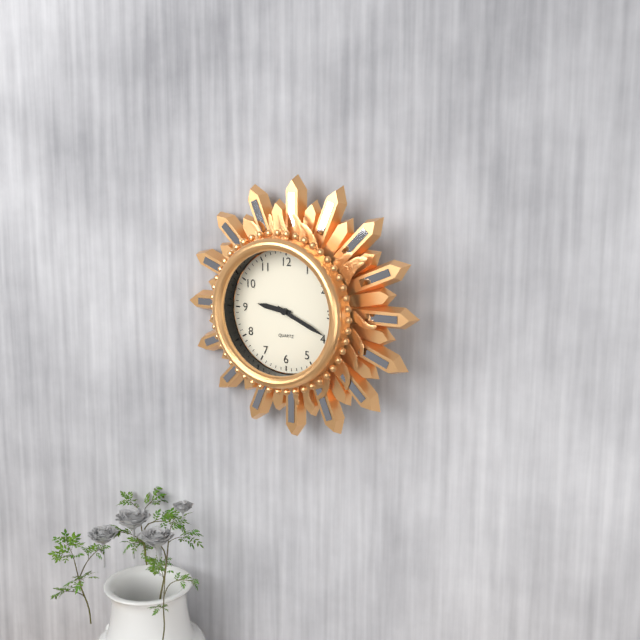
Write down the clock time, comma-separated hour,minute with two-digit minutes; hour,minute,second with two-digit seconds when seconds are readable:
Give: 9,19
